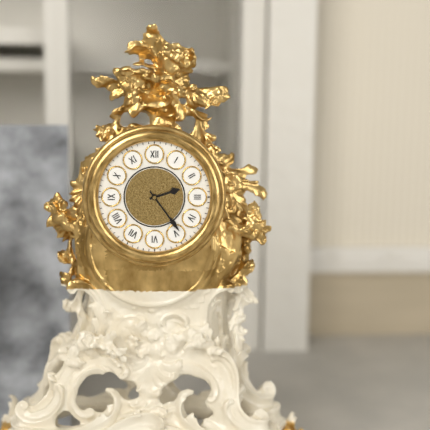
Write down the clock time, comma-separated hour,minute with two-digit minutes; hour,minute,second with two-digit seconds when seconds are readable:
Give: 2,24
